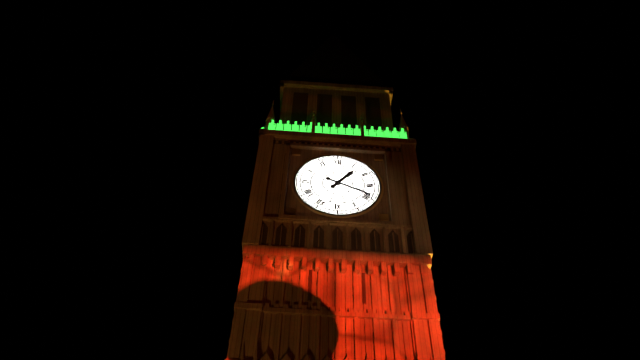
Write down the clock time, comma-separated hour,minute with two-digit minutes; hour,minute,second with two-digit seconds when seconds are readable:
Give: 1,19
